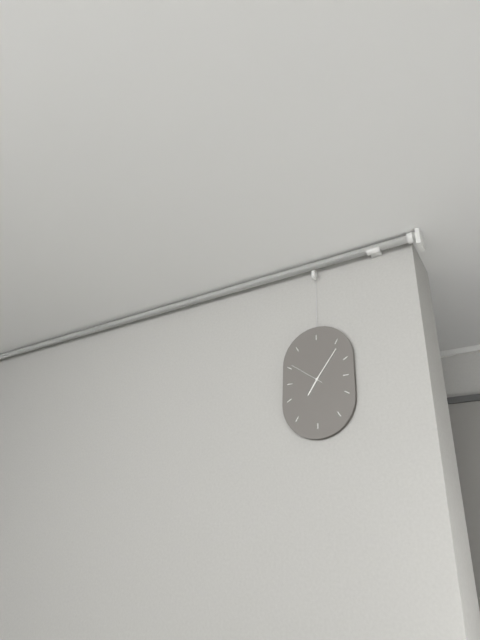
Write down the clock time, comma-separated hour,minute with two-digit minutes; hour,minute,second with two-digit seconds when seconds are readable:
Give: 7,06
